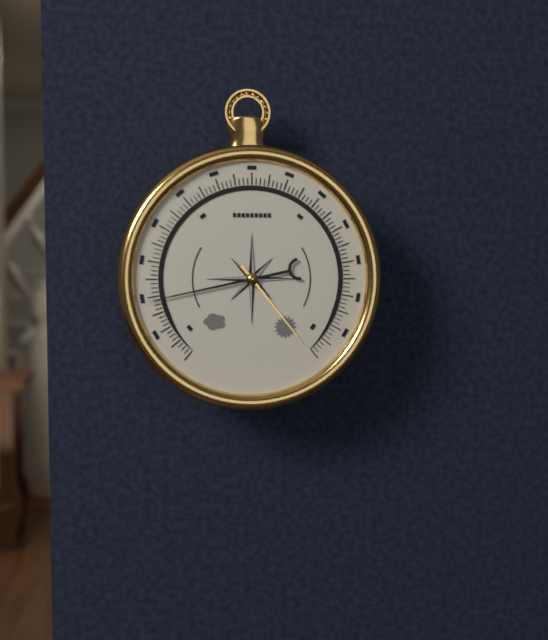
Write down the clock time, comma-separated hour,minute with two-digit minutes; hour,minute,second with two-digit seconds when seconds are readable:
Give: 4,43
